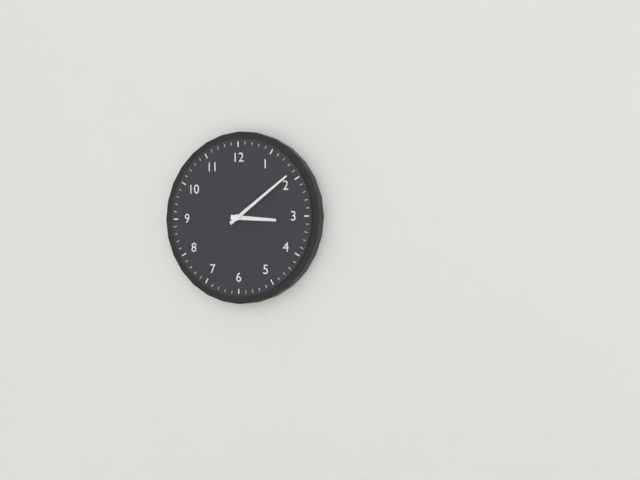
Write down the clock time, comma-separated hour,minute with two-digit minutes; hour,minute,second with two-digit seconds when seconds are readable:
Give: 3,09
